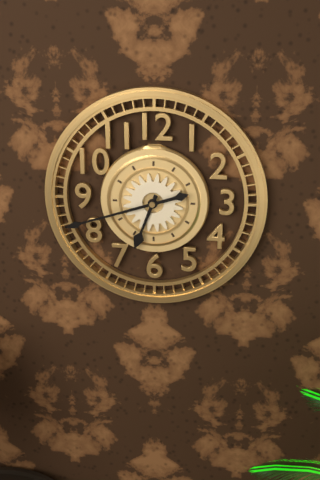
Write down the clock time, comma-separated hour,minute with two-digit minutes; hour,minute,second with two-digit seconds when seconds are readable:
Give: 6,42
